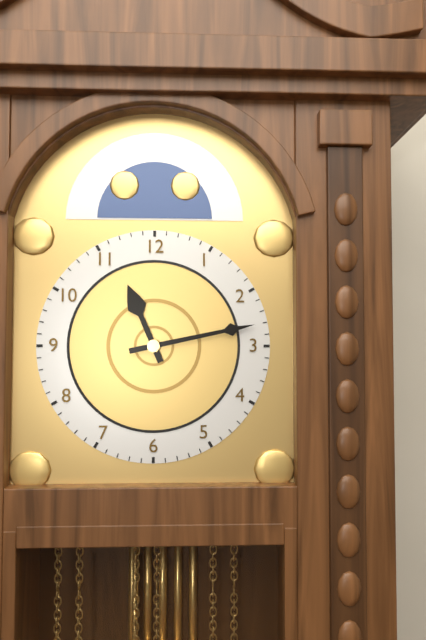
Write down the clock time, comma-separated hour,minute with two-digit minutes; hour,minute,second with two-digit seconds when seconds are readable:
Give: 11,13
